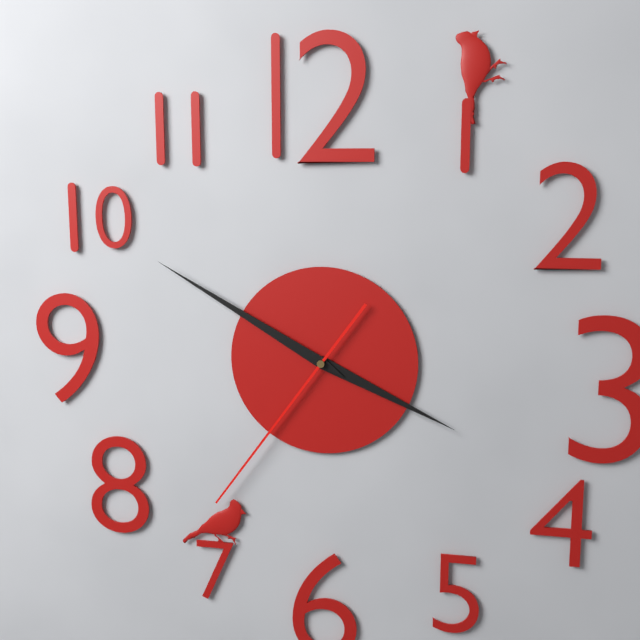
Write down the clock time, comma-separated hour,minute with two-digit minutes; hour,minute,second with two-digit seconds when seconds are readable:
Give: 3,50,36
